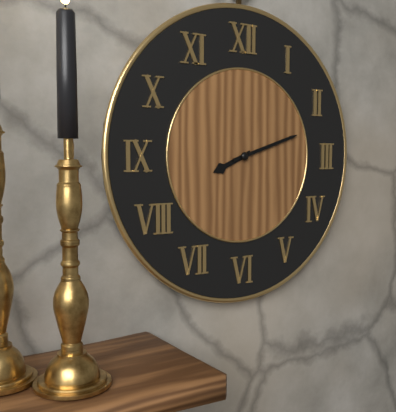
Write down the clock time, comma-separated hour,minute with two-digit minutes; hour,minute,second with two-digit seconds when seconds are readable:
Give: 8,12
